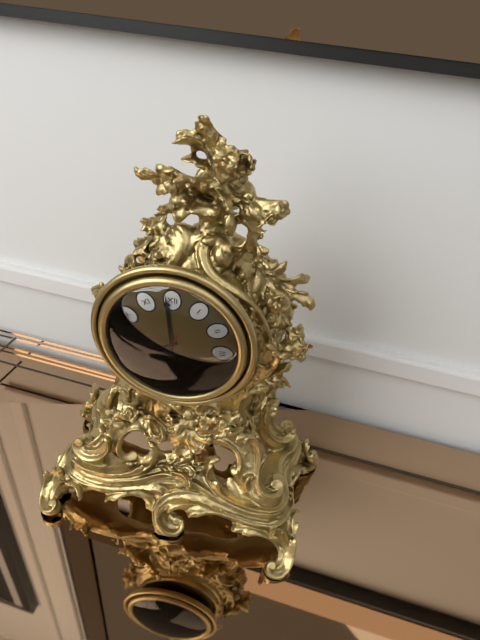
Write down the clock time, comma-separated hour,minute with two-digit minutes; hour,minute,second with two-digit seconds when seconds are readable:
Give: 7,59,34
